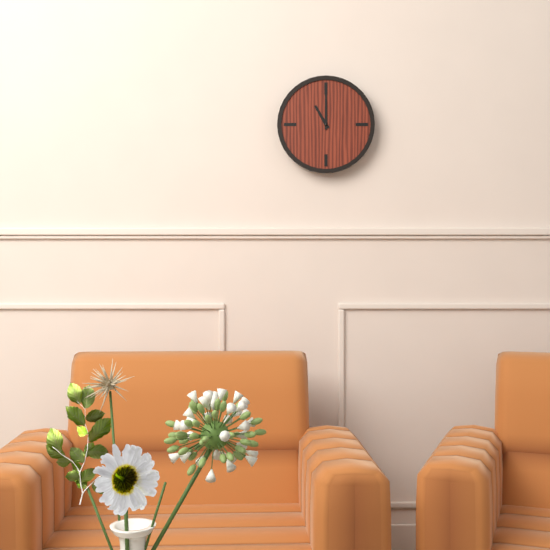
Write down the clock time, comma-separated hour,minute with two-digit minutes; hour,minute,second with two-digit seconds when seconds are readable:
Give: 11,00
